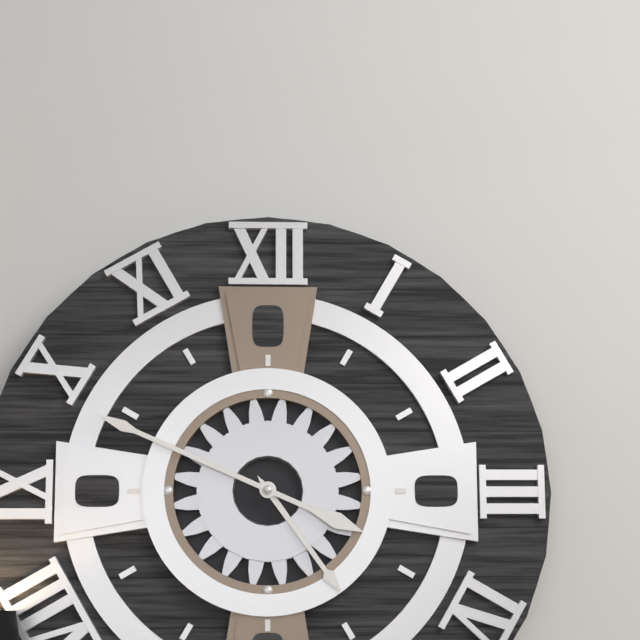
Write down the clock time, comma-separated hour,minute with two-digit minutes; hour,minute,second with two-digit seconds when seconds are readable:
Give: 4,49
